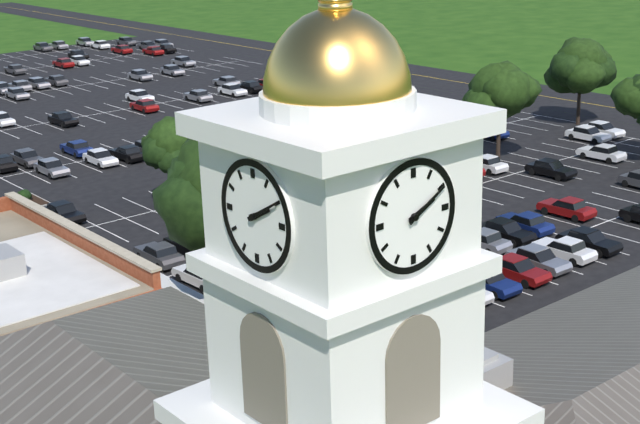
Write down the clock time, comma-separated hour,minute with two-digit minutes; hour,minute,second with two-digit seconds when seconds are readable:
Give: 2,10
